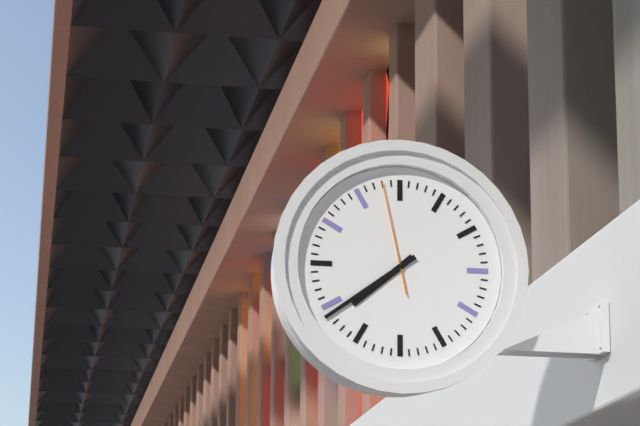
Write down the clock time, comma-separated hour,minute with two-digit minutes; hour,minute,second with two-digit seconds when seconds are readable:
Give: 7,39,58
